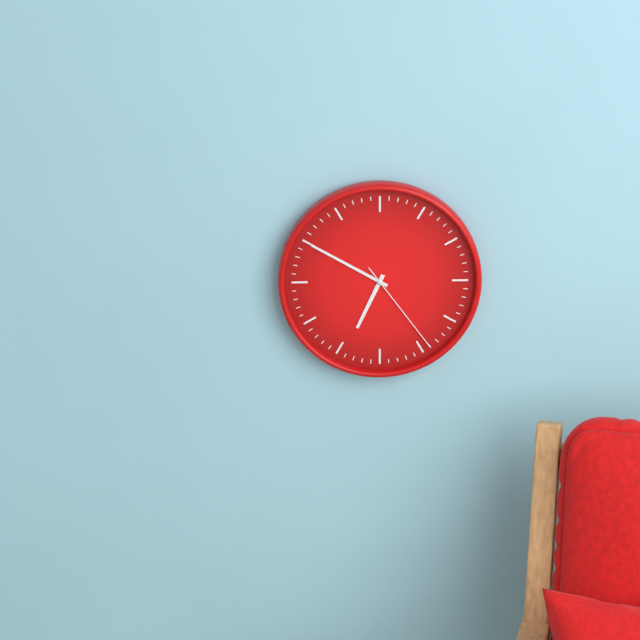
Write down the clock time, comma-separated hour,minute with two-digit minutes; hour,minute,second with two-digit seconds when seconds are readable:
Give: 6,50,24
